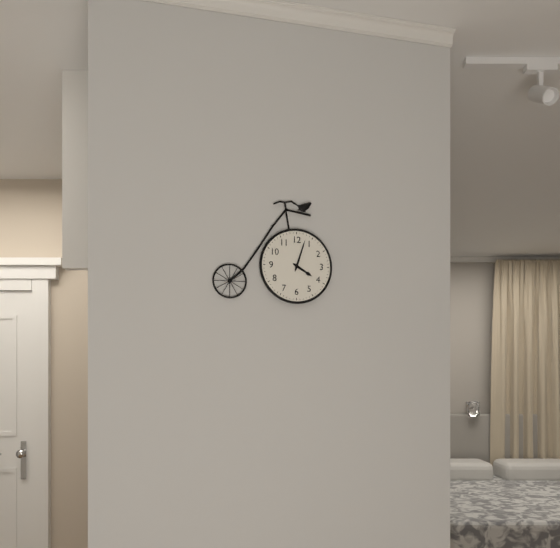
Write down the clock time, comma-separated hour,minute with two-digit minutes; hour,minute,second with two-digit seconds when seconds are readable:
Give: 4,03
